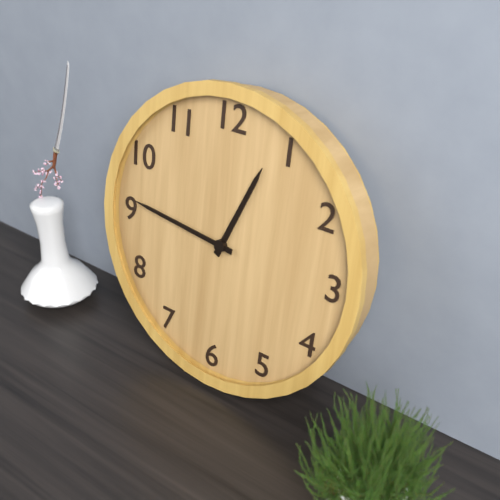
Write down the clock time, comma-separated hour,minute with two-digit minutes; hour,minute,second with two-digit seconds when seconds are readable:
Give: 12,46
